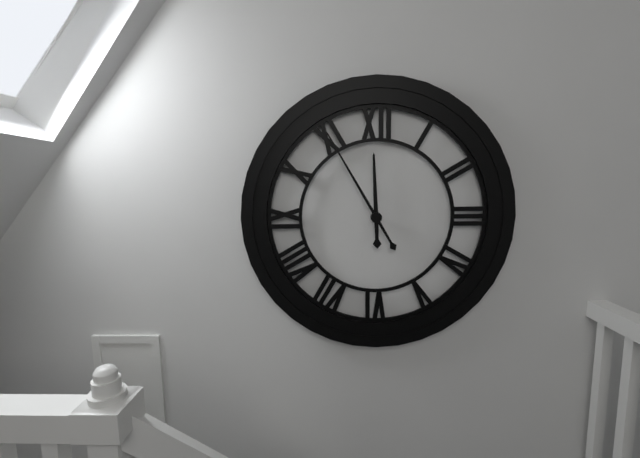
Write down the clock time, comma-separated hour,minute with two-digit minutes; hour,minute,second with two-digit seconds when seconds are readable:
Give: 11,55
